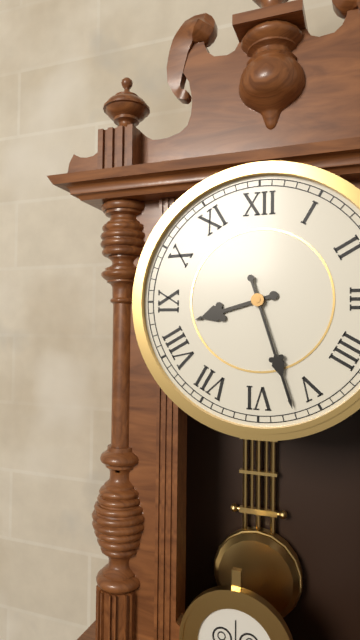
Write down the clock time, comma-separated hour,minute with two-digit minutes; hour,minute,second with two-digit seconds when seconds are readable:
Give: 8,27
